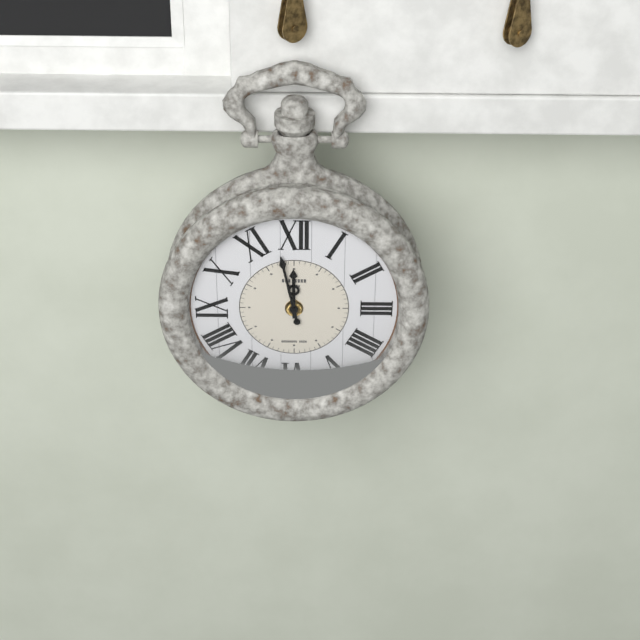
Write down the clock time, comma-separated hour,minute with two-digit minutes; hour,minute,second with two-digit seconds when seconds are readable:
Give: 11,58
